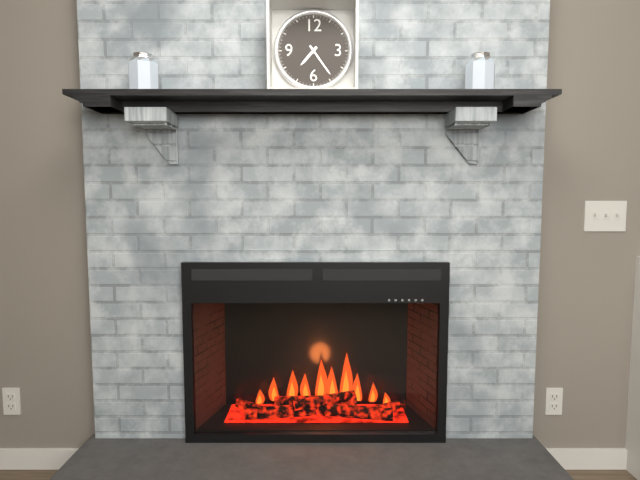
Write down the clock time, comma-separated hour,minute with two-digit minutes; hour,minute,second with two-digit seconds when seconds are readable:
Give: 7,24
